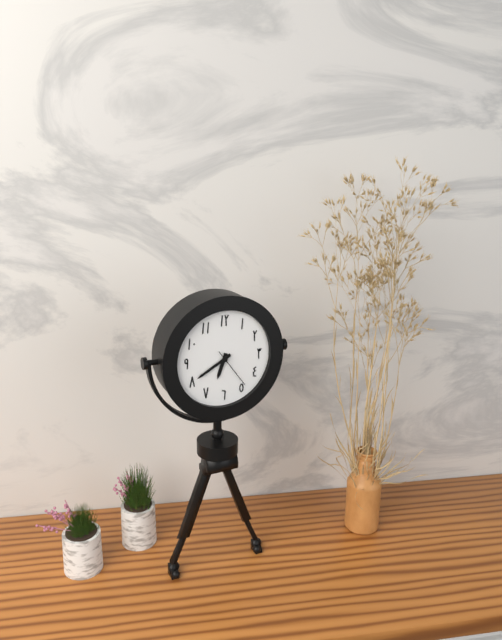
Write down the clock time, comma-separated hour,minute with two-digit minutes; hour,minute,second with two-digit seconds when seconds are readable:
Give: 6,40
